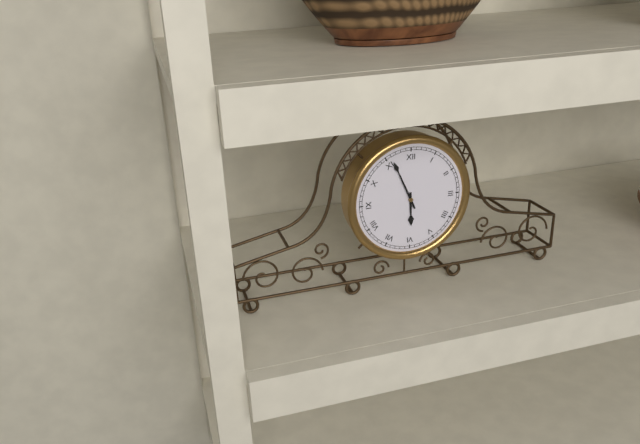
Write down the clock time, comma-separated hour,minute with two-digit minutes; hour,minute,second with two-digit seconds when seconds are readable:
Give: 5,56
